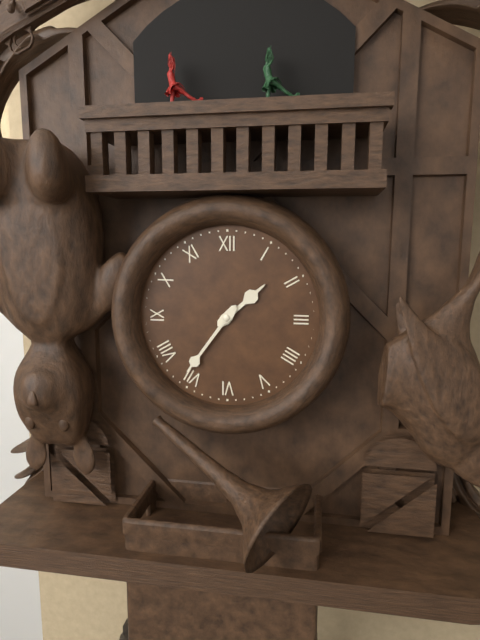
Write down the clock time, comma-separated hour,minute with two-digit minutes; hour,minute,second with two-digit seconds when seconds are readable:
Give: 1,36
